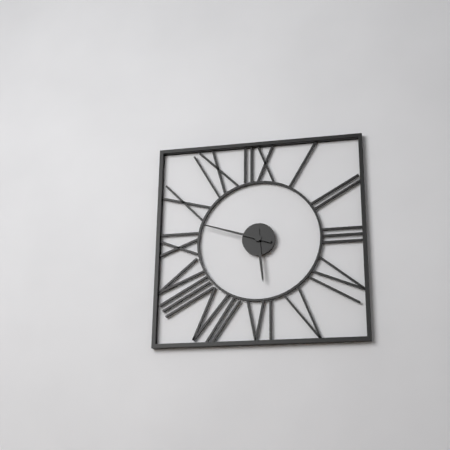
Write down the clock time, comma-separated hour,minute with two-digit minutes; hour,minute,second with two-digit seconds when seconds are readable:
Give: 5,48
